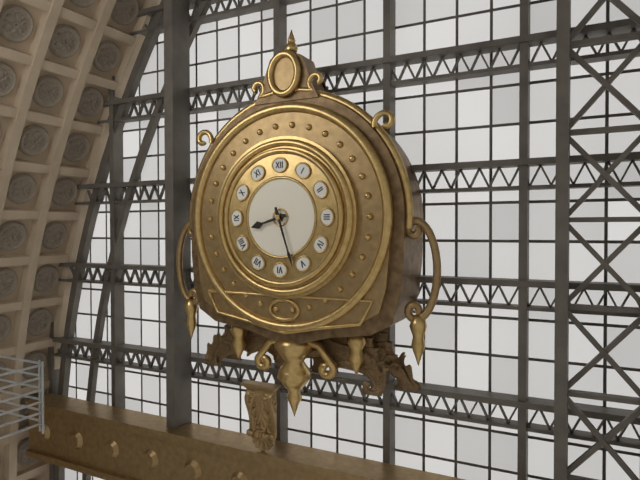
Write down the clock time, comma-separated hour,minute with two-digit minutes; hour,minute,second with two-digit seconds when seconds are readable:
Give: 8,27
